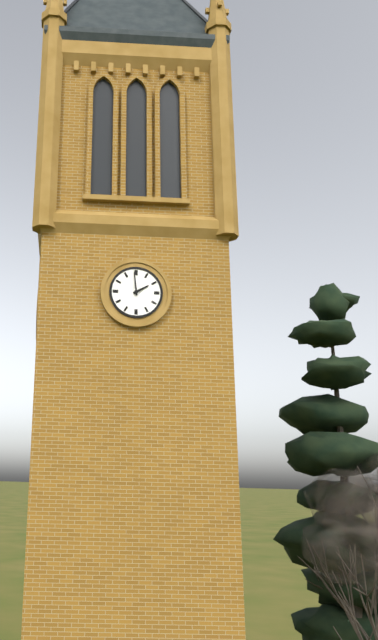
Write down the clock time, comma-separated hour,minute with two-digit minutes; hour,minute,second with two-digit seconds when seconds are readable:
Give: 1,59
